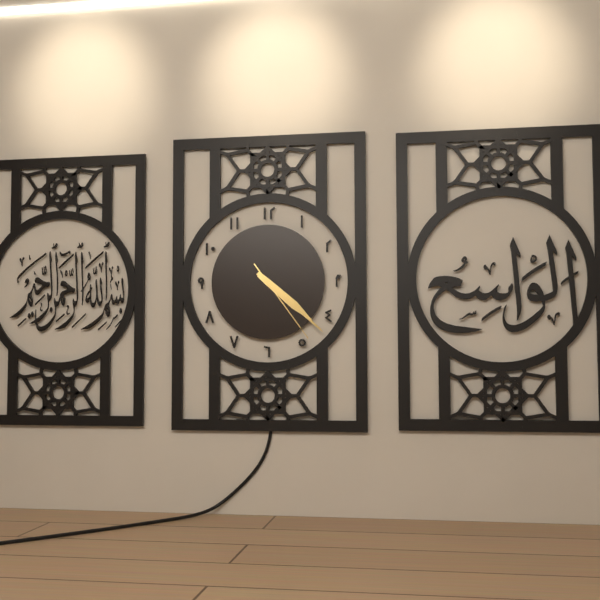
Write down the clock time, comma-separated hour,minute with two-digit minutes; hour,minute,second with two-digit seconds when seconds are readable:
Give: 4,22,24
